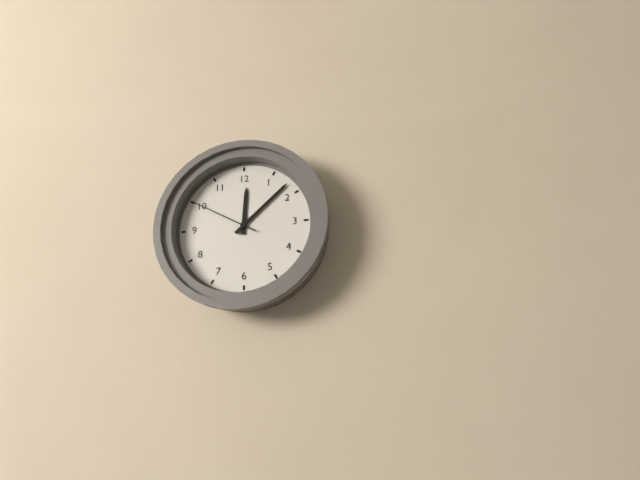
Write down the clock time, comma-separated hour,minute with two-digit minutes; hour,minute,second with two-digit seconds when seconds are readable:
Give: 12,08,50
